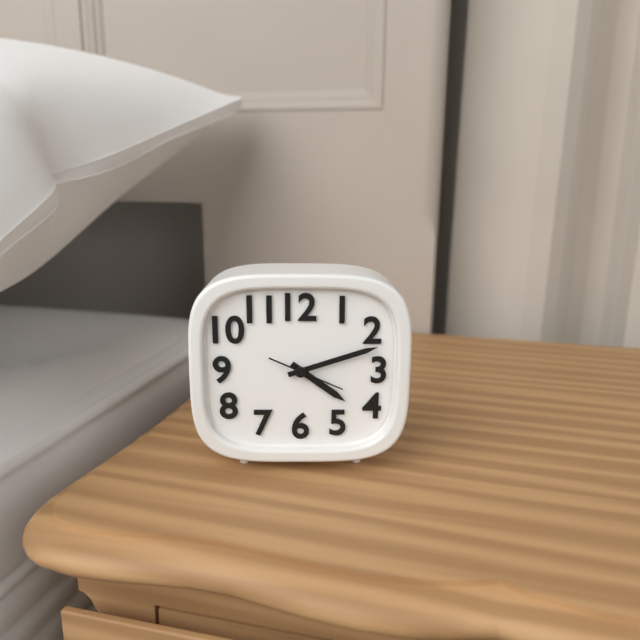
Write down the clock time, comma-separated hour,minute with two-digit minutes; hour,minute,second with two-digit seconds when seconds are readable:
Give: 4,12,19
